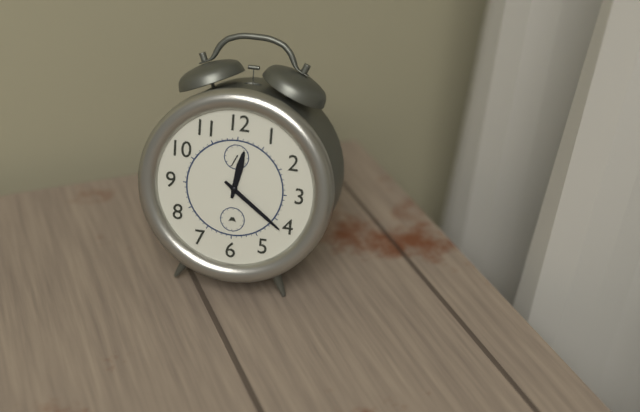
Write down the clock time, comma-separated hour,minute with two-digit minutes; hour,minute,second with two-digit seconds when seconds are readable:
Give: 12,21
